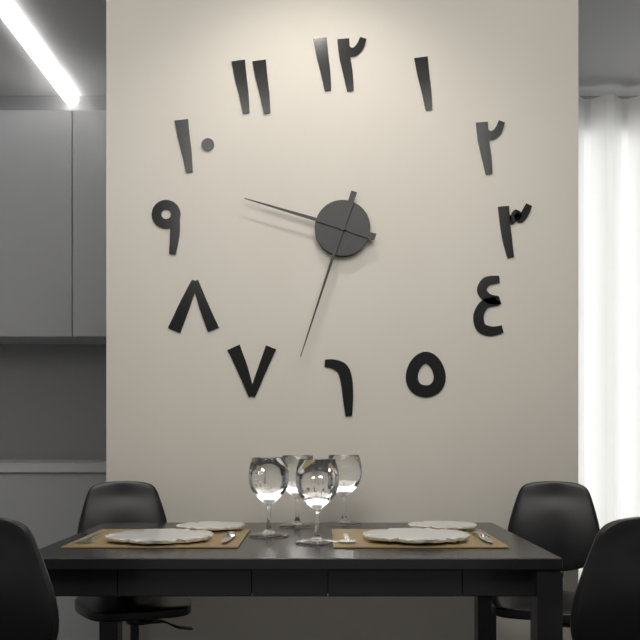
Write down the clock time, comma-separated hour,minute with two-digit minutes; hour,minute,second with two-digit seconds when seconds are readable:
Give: 9,33
